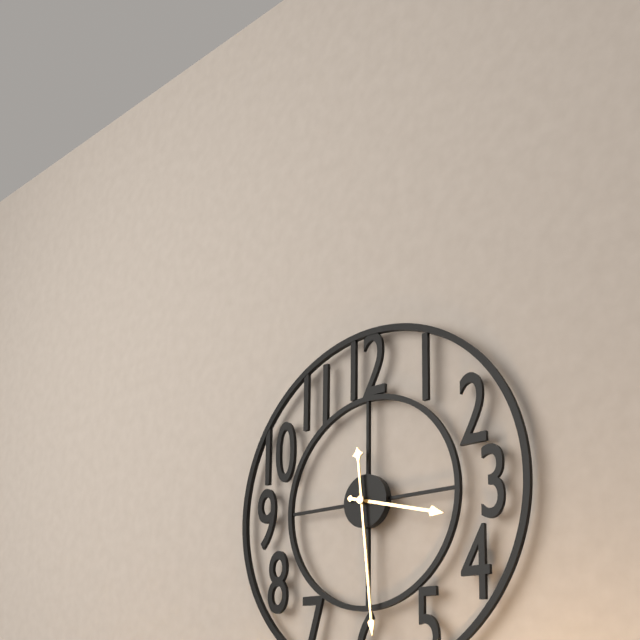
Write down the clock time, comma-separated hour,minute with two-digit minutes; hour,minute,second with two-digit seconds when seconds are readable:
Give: 3,29
